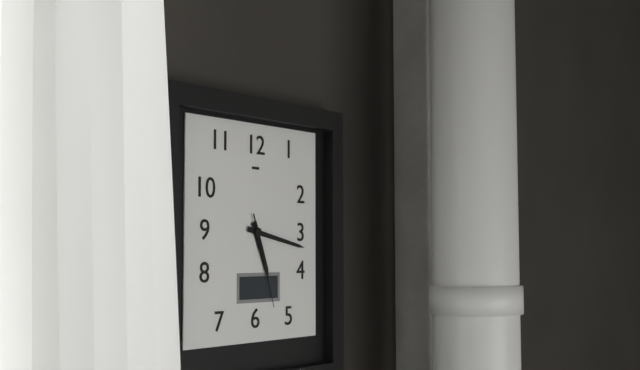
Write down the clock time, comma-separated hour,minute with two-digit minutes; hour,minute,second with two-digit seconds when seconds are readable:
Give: 5,17,27
